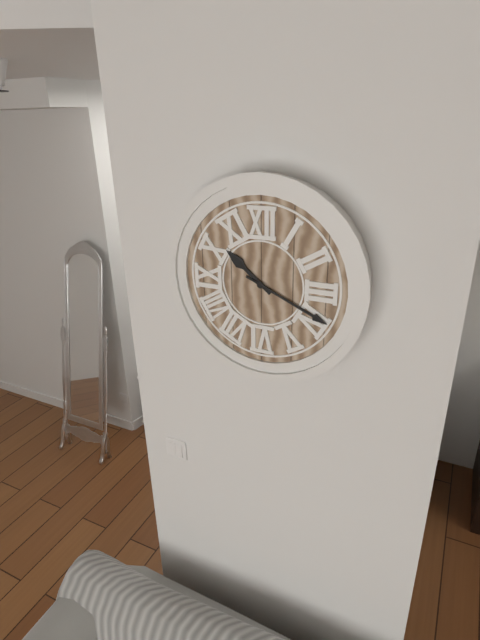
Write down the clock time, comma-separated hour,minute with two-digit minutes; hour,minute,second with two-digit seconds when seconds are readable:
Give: 10,19
